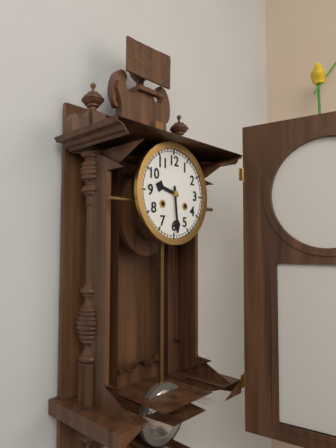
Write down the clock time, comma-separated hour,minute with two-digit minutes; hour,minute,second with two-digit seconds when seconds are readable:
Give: 9,29
